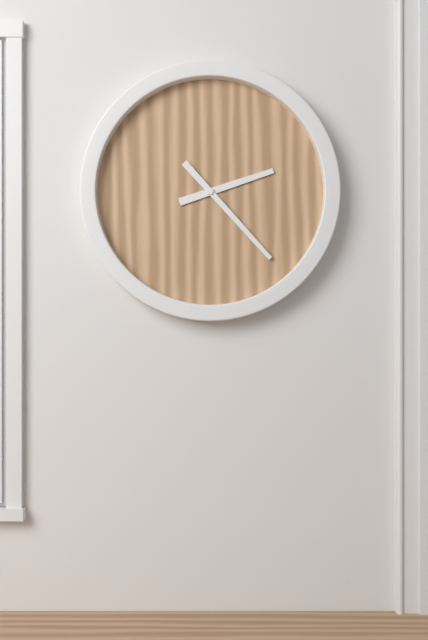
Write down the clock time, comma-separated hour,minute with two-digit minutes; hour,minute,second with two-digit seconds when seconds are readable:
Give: 2,23
